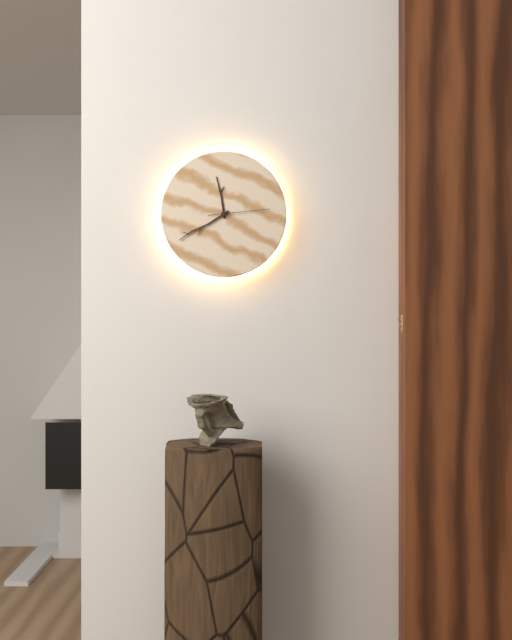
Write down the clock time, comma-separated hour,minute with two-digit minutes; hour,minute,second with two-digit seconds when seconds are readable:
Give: 11,40,14
